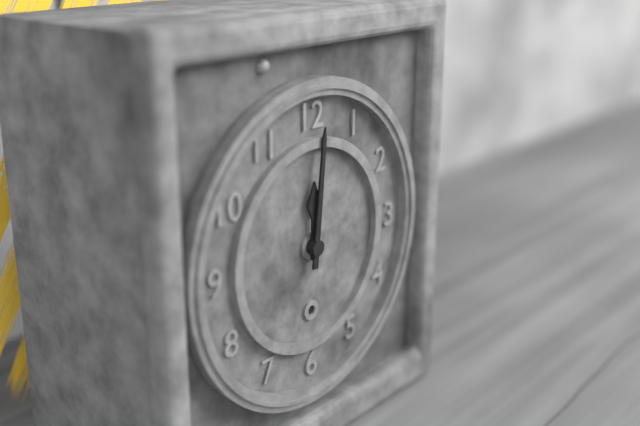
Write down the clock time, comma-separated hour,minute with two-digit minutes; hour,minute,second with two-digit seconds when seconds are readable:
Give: 12,01
